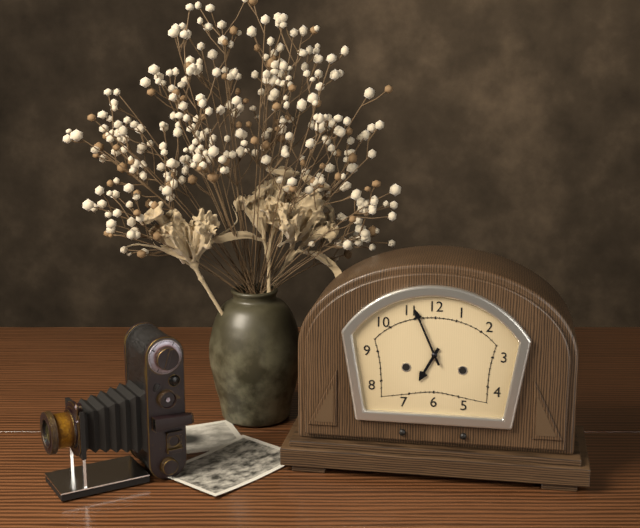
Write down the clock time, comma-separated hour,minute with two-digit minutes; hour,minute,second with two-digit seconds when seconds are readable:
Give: 6,56
